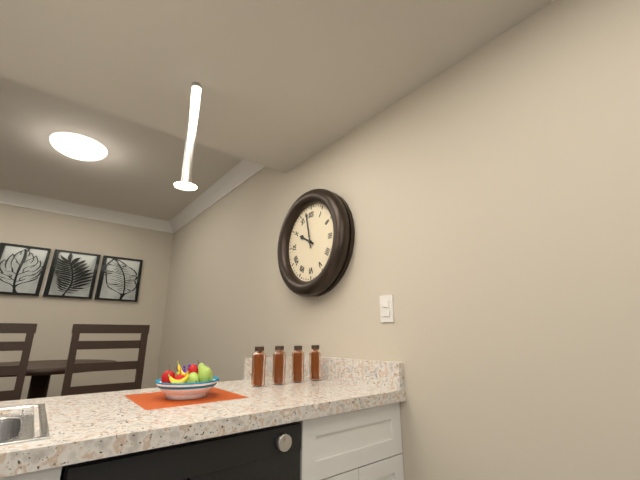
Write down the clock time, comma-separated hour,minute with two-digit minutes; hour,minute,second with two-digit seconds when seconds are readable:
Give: 9,58
